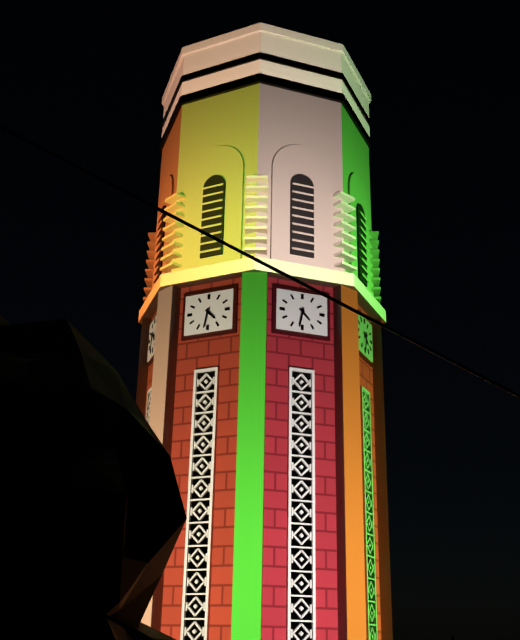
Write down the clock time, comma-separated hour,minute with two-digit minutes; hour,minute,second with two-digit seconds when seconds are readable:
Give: 4,32
